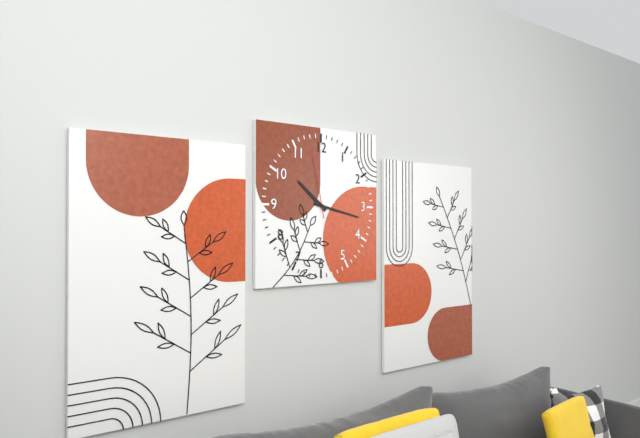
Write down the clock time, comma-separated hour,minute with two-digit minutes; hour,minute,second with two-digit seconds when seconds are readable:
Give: 10,17,58
